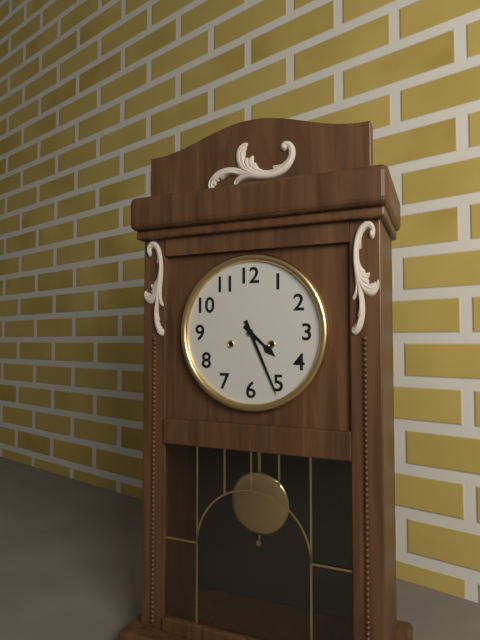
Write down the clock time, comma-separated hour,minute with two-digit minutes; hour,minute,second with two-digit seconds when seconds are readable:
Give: 4,26
